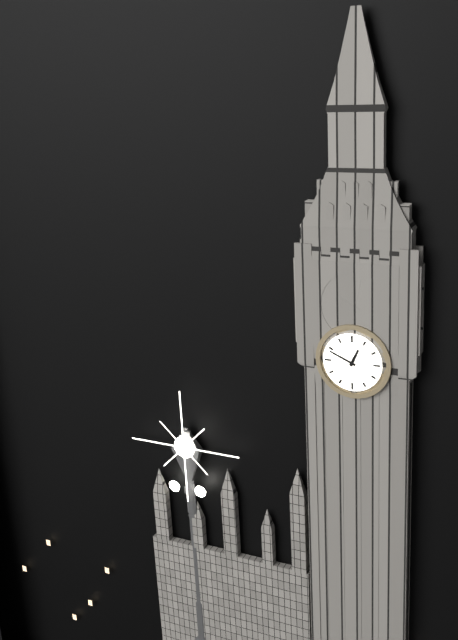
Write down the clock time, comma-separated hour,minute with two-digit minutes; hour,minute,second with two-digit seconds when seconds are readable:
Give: 12,49
